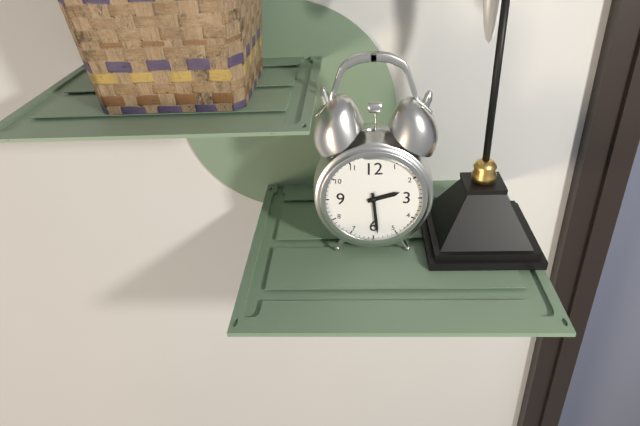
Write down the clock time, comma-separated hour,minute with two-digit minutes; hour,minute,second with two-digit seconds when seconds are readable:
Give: 2,29
